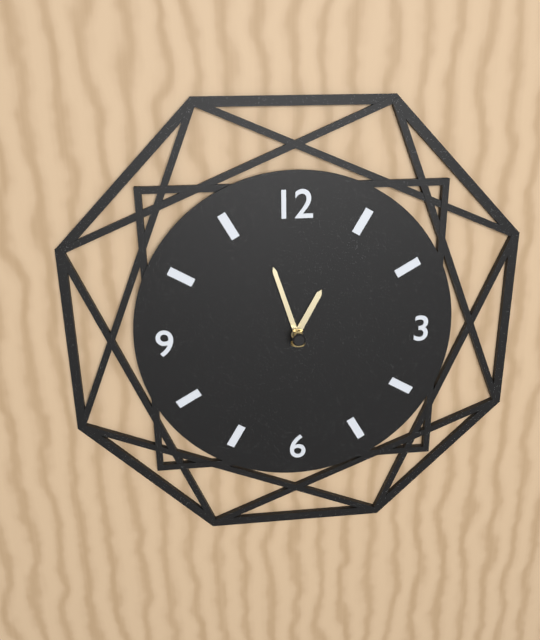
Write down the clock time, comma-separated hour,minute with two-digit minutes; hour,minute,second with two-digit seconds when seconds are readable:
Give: 12,57
